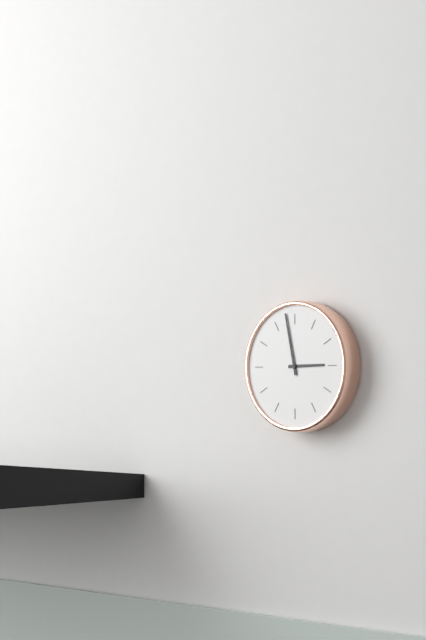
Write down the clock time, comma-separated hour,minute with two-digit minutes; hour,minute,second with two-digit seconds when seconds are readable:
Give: 2,58
